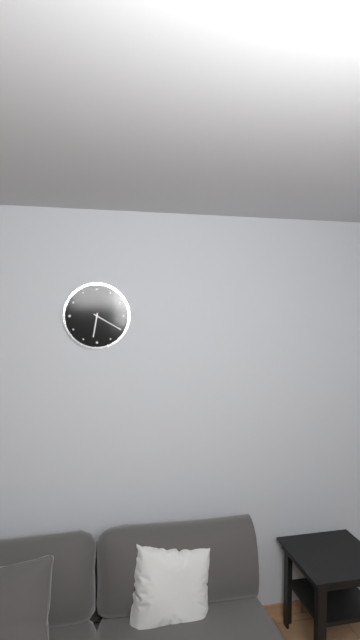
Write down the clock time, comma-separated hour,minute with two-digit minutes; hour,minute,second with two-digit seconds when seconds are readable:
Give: 6,20
